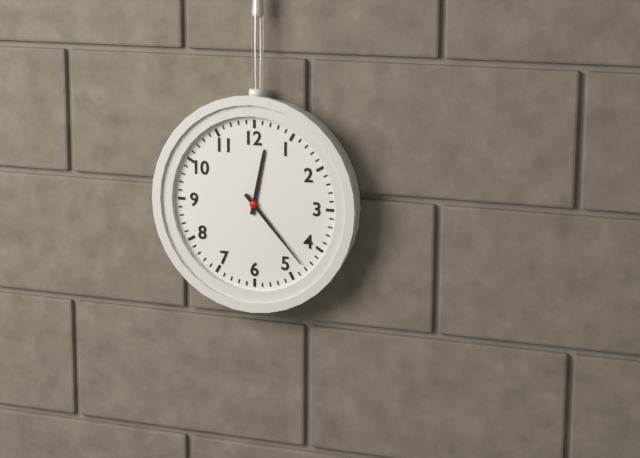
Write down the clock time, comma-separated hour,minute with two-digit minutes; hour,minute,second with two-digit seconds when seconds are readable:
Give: 12,23
